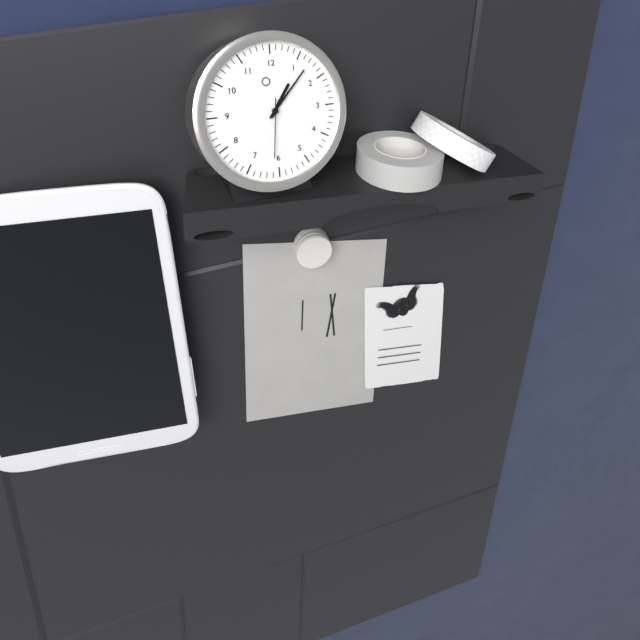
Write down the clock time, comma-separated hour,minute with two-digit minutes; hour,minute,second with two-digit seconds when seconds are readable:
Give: 1,07,31
